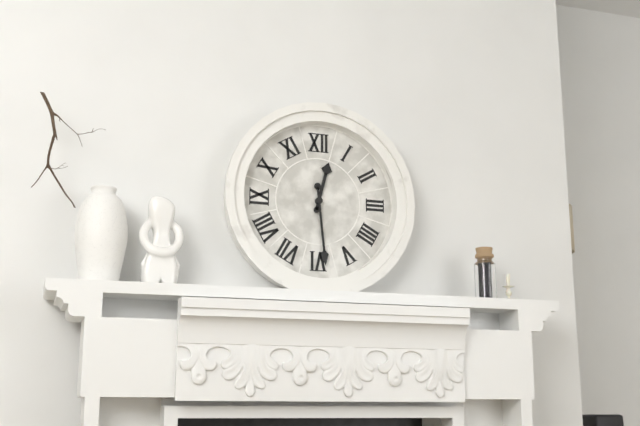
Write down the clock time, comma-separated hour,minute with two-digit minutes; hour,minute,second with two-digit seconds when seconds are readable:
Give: 12,29
